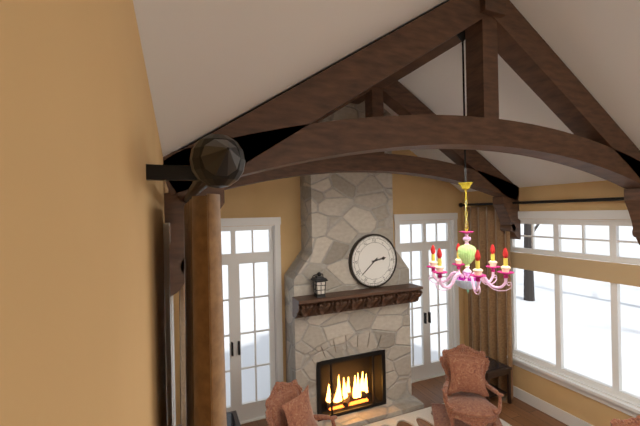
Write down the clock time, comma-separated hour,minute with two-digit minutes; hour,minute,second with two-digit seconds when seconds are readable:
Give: 2,38
